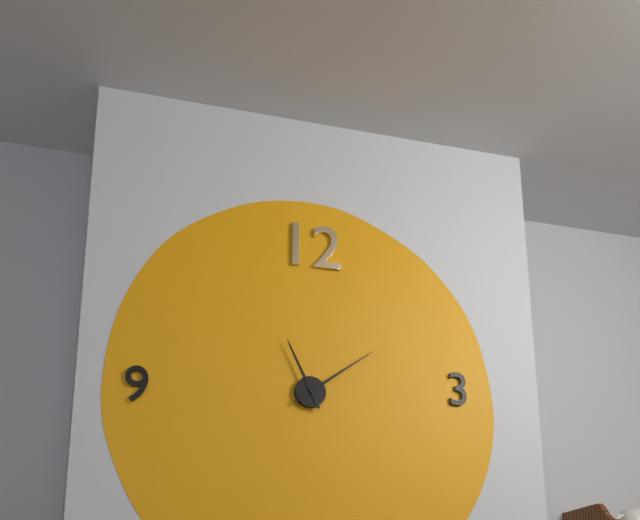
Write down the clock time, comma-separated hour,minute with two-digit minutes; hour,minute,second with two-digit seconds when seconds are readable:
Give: 11,09
